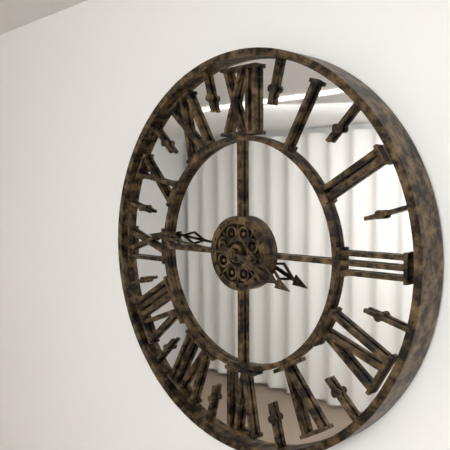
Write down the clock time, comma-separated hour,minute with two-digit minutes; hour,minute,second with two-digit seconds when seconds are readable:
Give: 3,46
